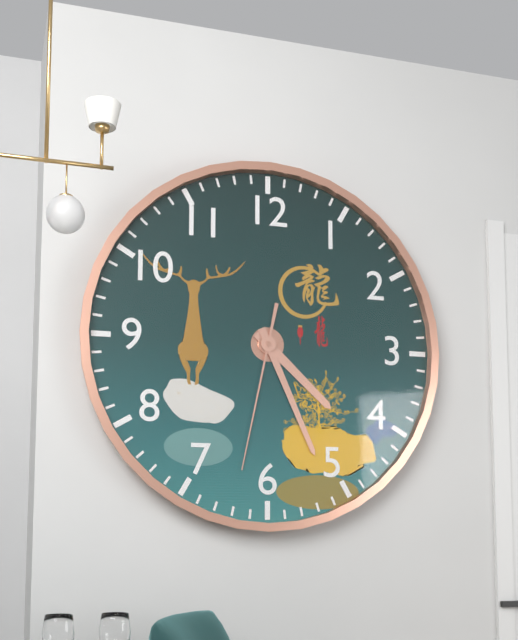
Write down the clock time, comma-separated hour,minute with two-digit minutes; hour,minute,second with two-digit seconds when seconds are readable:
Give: 4,26,32
